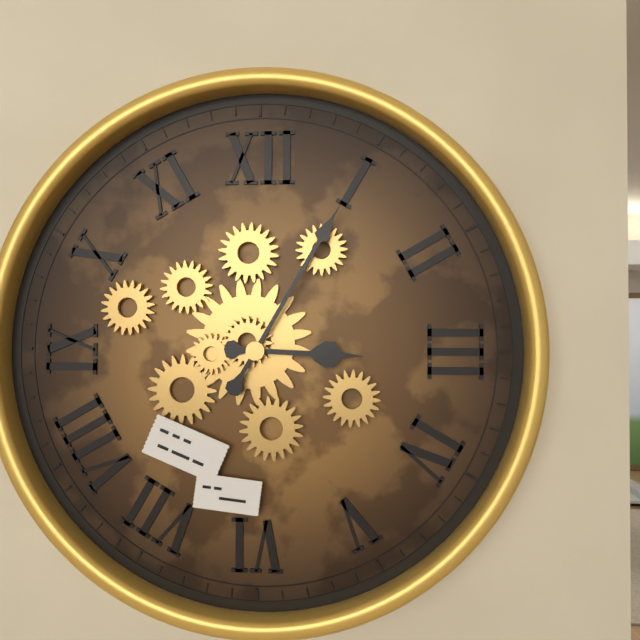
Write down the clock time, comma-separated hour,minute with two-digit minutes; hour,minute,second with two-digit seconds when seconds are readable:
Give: 3,05
